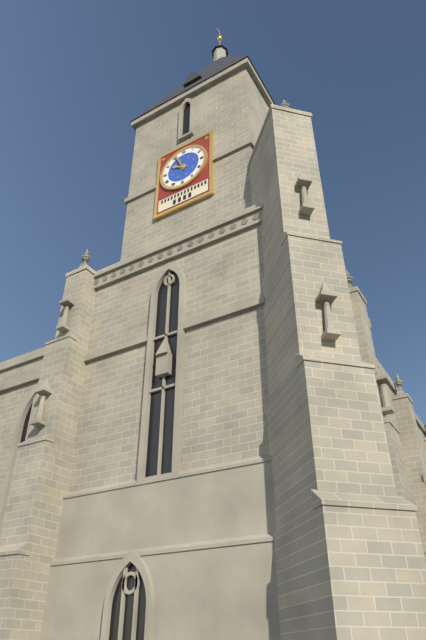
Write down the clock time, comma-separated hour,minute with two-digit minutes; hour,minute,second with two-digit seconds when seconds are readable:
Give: 9,56
